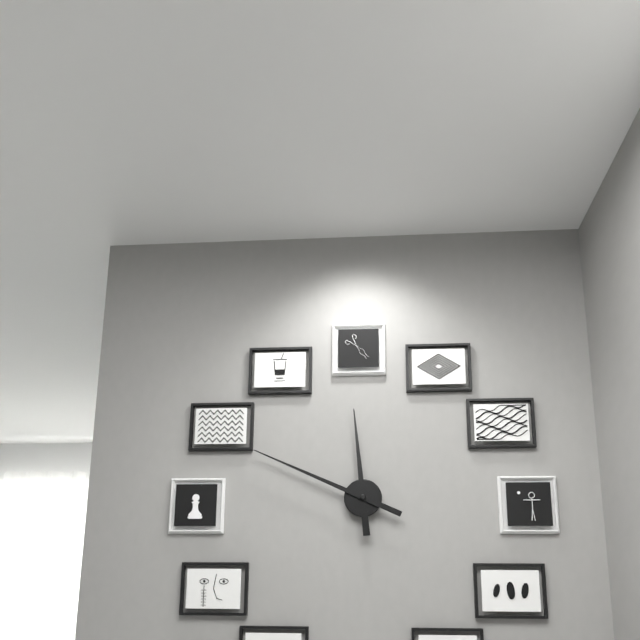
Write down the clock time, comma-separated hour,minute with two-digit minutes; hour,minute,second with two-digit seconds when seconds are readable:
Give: 11,49
